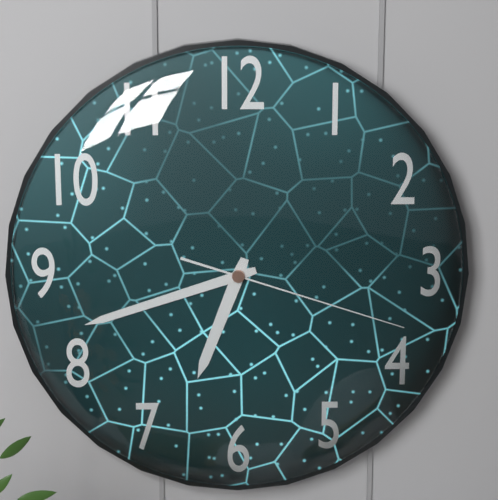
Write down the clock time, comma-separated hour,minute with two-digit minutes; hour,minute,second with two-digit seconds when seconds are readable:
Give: 6,42,18
